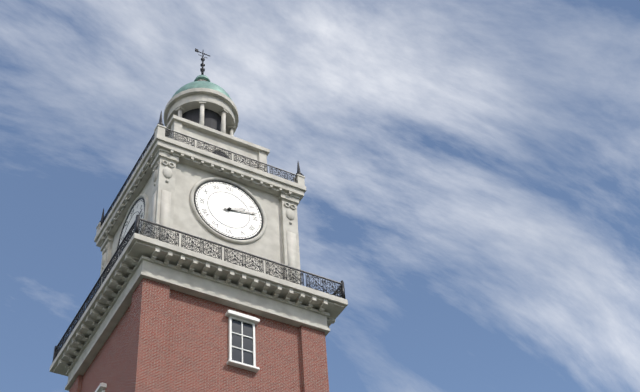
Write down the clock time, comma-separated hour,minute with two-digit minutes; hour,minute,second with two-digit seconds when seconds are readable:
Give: 2,13
